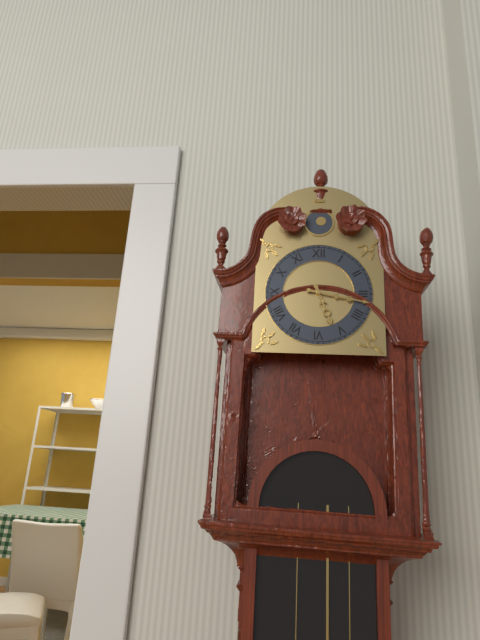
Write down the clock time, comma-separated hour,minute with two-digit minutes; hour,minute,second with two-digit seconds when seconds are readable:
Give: 5,17
